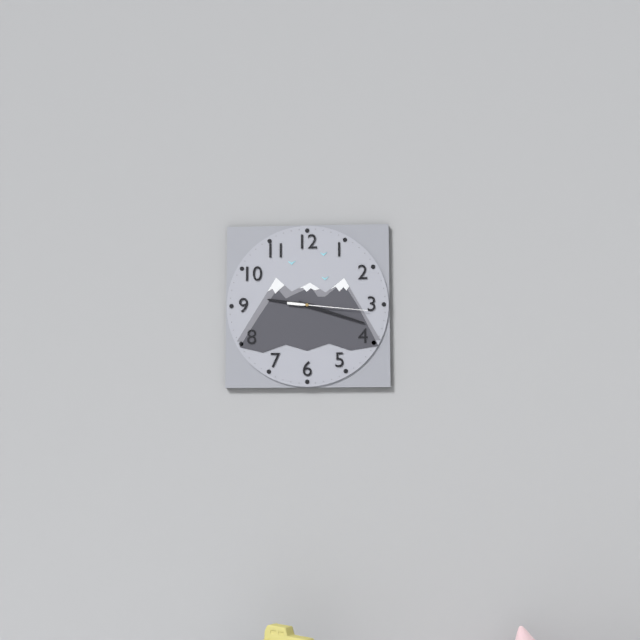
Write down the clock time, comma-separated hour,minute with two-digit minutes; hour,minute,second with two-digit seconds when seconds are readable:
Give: 9,18,16
